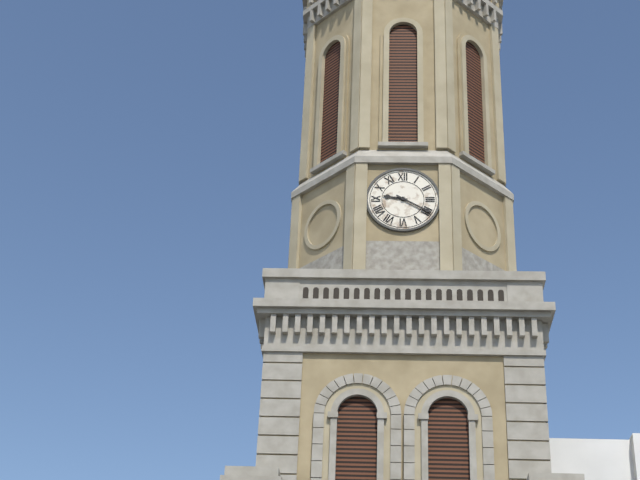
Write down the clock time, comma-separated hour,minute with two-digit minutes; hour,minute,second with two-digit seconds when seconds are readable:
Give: 9,20
